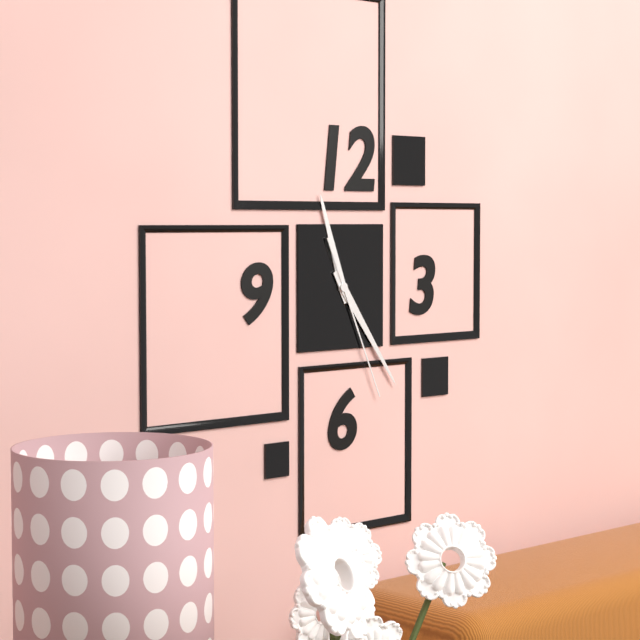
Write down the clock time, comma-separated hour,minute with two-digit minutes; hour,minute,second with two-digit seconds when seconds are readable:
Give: 11,24,26
